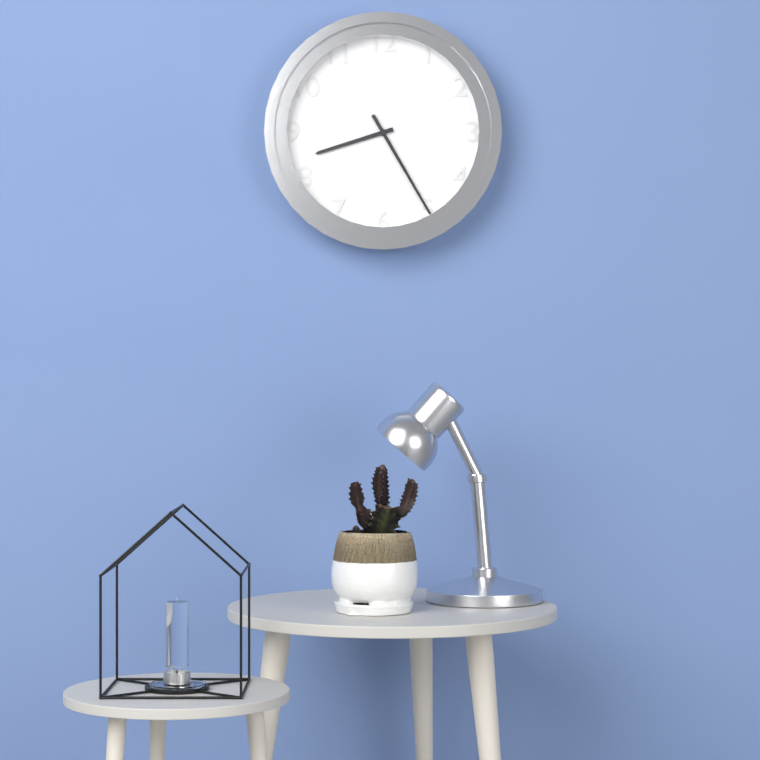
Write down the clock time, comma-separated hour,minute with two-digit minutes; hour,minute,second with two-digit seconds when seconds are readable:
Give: 8,25
